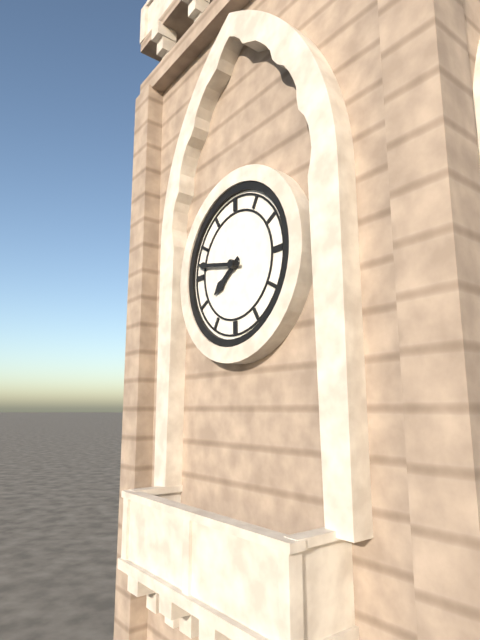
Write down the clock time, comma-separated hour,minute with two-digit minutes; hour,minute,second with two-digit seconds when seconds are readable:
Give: 7,47
